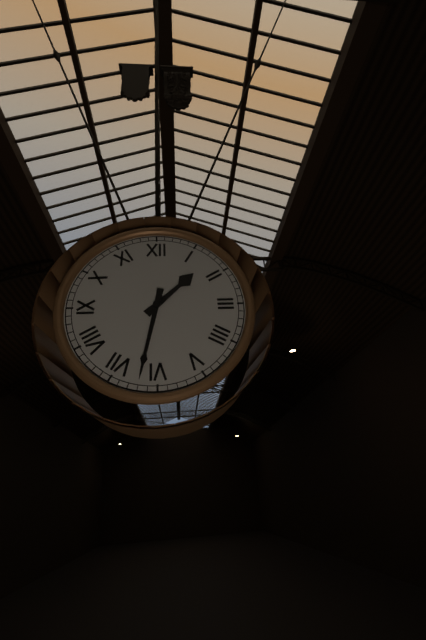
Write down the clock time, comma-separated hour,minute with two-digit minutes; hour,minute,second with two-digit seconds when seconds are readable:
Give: 1,32
